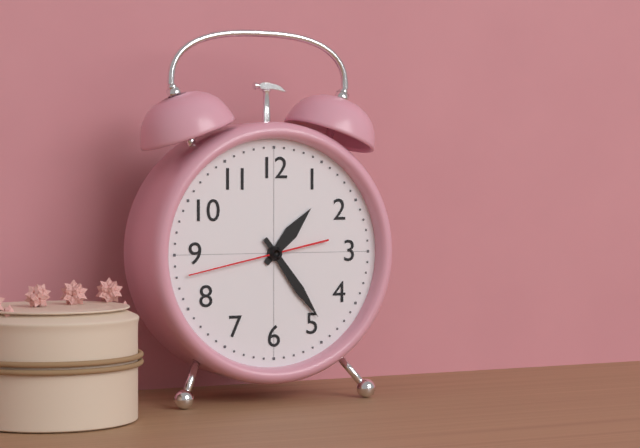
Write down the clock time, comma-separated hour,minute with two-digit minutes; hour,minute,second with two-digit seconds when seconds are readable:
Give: 1,24,43
